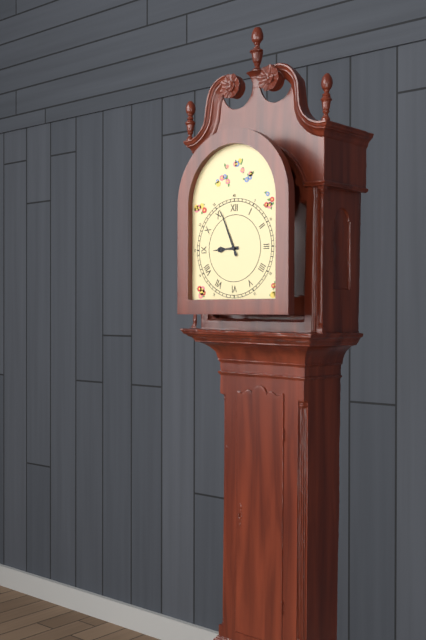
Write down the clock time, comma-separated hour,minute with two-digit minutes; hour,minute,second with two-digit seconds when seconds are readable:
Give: 8,56
